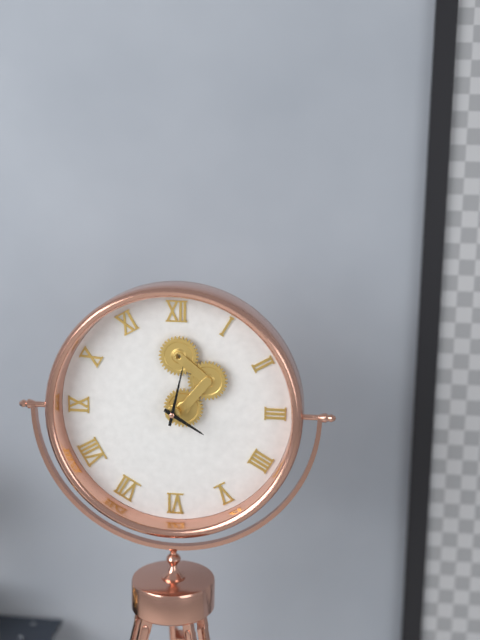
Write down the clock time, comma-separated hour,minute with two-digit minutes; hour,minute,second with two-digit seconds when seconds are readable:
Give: 4,02
